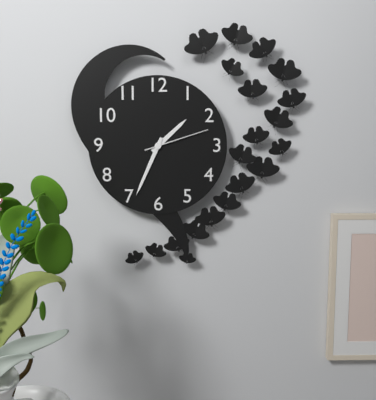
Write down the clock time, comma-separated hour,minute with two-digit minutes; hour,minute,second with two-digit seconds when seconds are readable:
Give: 1,34,12
